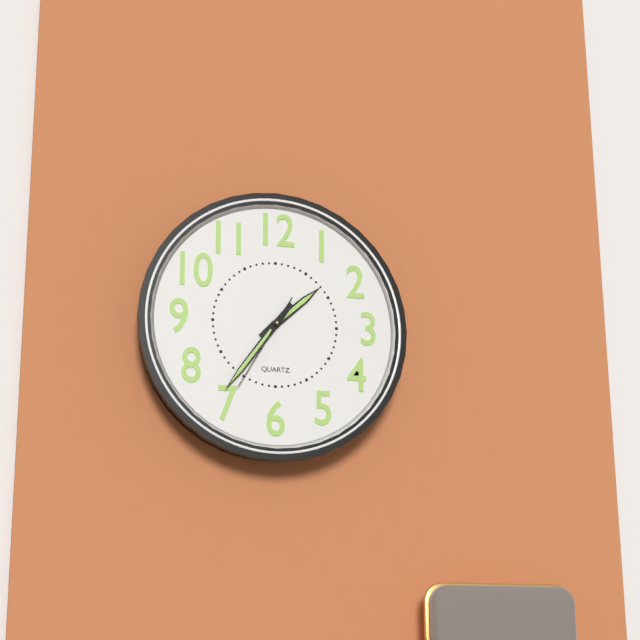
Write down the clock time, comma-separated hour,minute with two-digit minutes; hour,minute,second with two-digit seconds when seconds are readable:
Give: 1,36,35
